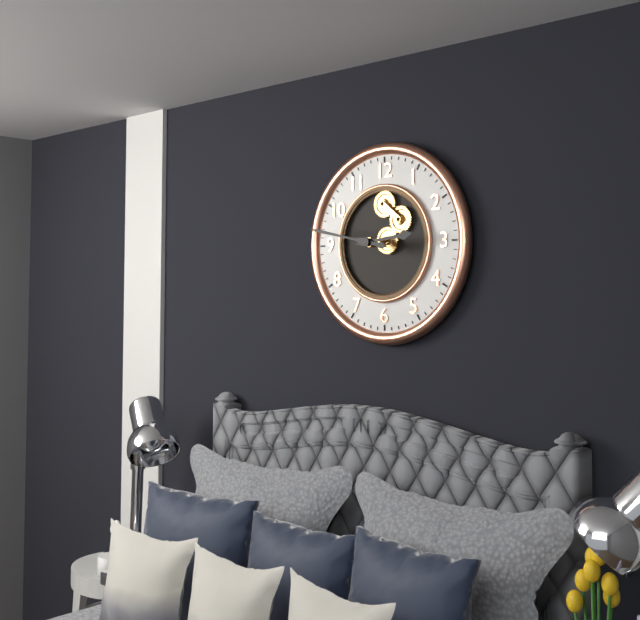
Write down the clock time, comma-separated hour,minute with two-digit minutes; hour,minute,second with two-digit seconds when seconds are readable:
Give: 2,47
